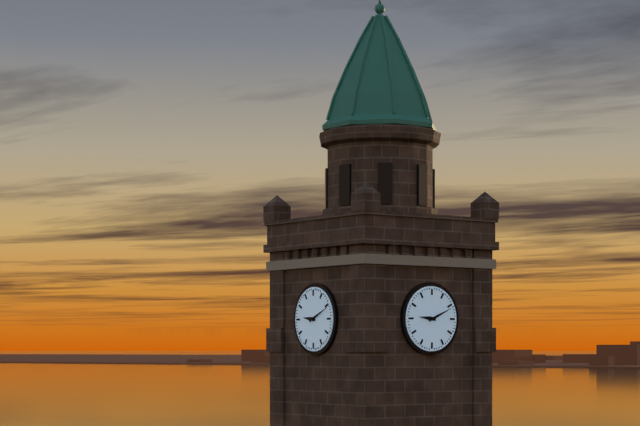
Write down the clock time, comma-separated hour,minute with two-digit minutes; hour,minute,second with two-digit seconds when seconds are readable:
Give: 9,11
